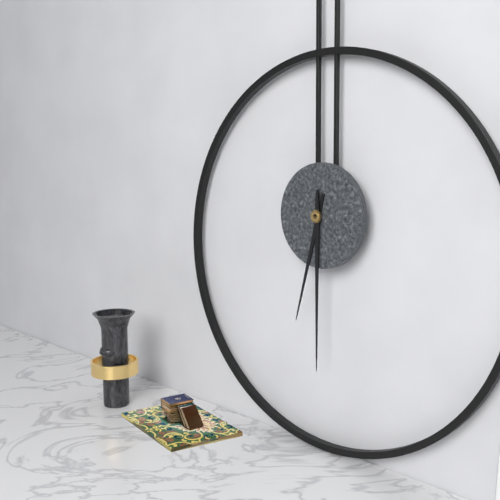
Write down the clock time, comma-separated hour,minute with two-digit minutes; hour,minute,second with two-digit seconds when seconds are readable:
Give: 6,30
